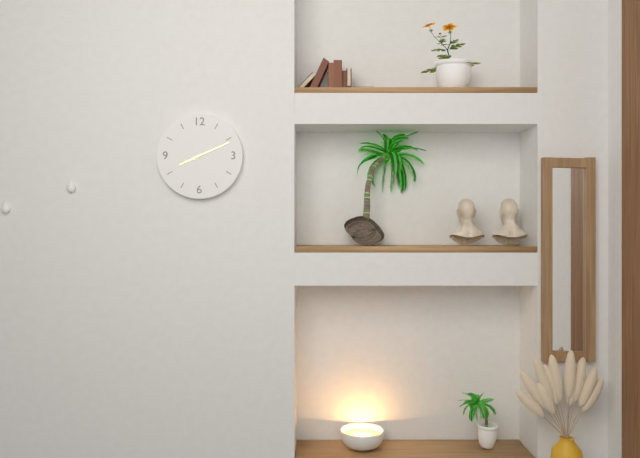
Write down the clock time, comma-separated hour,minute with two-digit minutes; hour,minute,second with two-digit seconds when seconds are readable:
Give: 8,11
